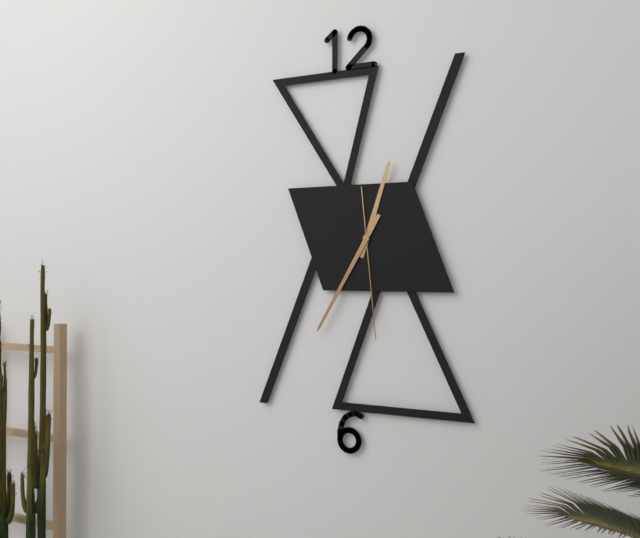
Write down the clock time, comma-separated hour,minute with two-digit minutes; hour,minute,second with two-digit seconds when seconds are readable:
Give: 12,35,29
